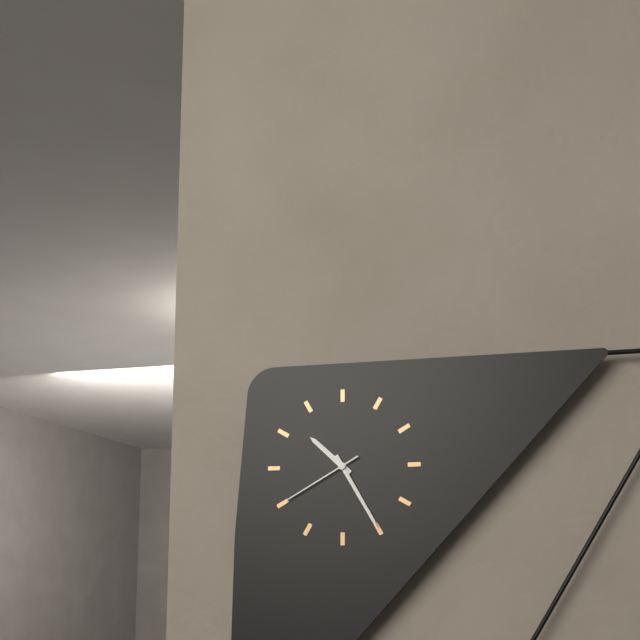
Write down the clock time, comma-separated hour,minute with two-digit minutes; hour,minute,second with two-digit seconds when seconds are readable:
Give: 10,25,40
